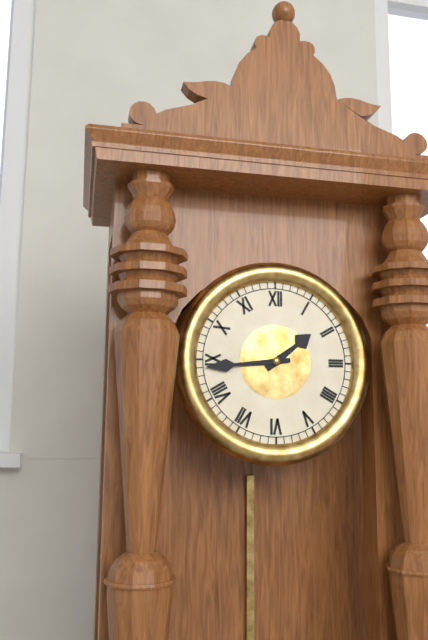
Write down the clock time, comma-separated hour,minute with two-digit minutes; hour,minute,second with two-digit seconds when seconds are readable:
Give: 1,44
